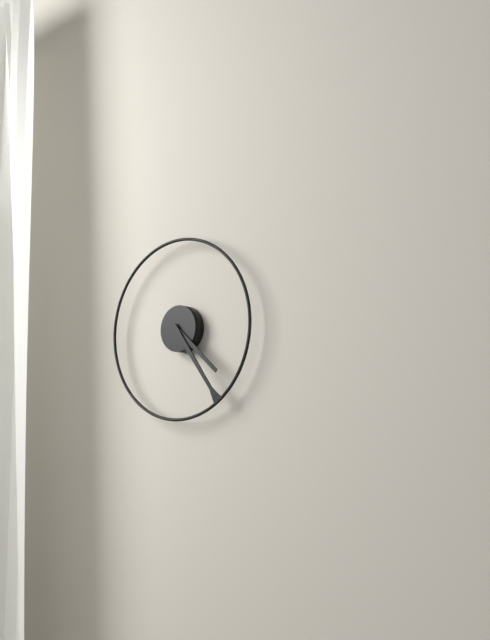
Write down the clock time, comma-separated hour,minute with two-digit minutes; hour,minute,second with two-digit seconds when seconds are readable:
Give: 4,24
